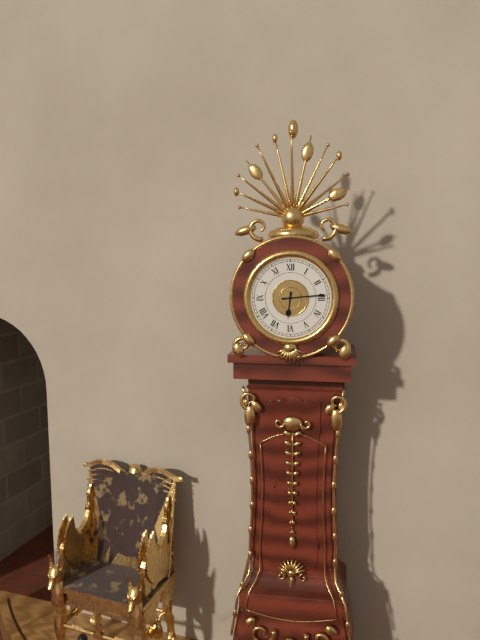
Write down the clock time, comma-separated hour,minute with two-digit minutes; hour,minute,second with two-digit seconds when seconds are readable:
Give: 6,14
